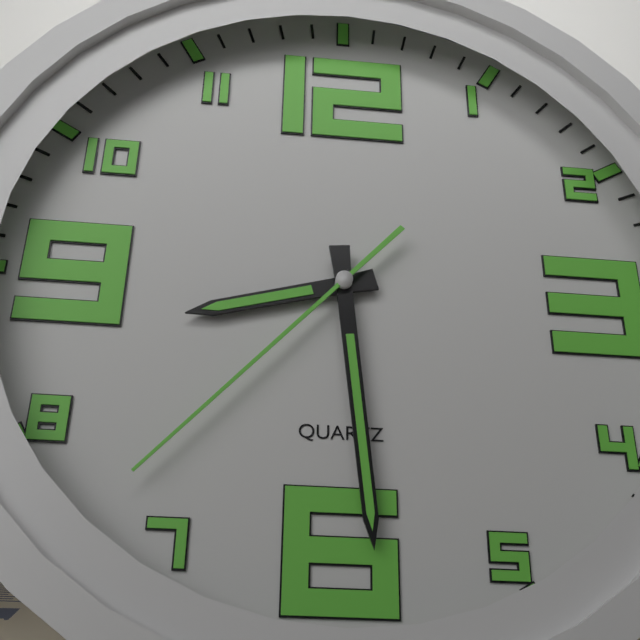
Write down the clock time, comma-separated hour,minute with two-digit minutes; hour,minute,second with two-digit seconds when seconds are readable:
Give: 8,29,37
